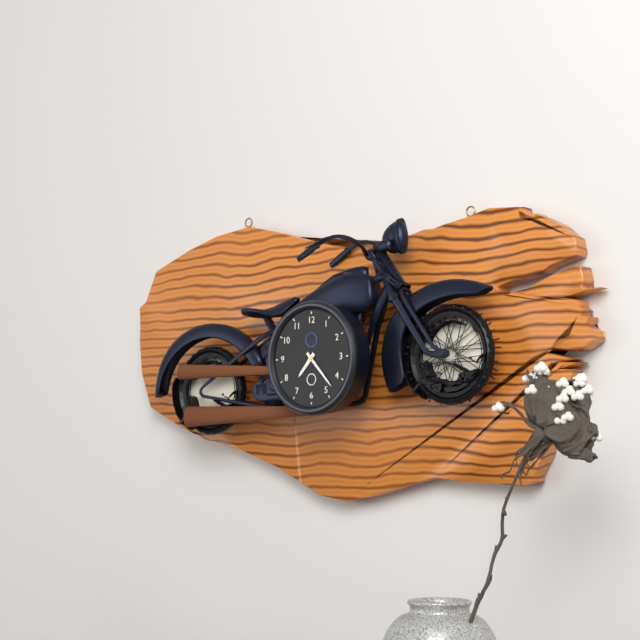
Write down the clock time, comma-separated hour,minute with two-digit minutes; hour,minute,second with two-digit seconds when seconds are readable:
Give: 7,23
